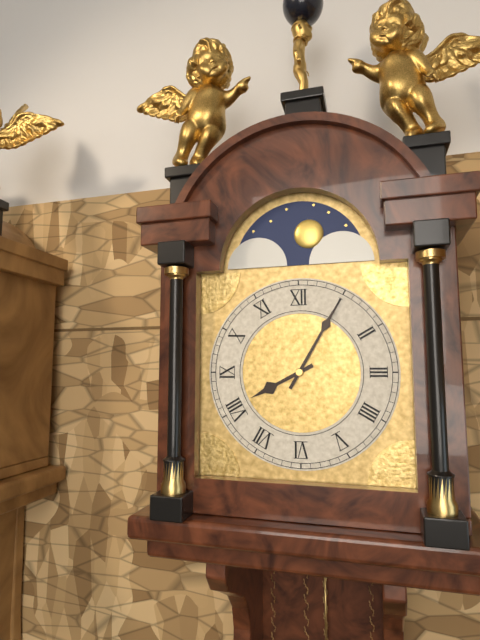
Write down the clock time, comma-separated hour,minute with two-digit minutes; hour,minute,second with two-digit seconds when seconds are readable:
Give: 8,05
